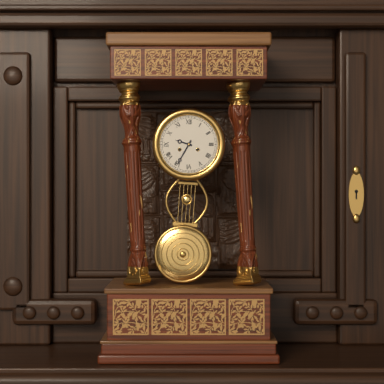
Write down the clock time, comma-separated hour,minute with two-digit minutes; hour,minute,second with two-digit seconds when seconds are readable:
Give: 9,35
